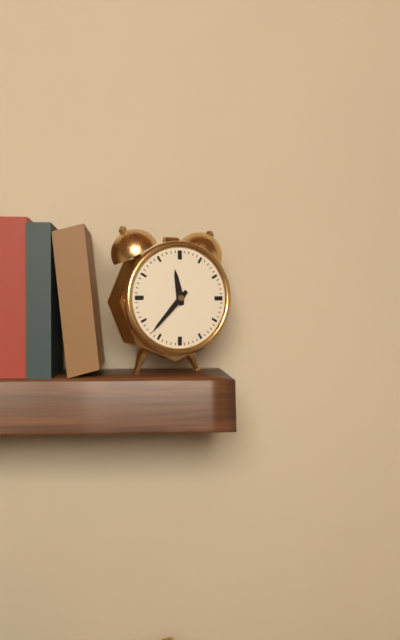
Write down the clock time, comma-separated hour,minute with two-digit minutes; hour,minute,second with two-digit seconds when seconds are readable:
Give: 11,37
